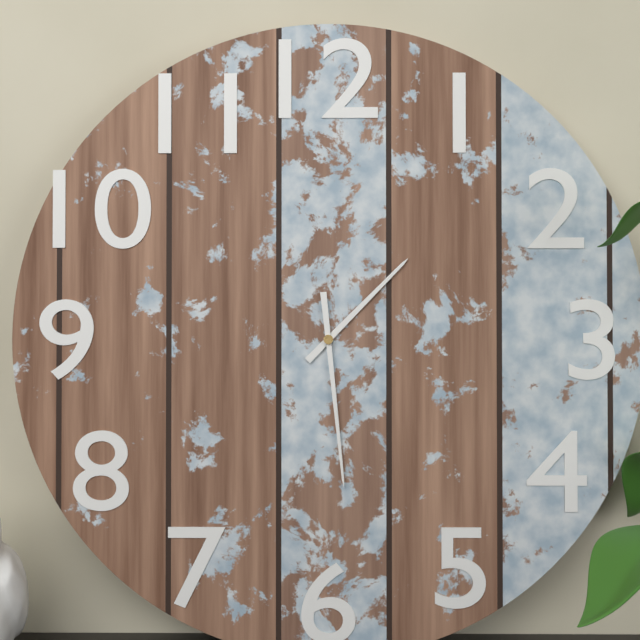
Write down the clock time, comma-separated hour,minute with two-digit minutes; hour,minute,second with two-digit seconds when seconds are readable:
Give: 1,29
